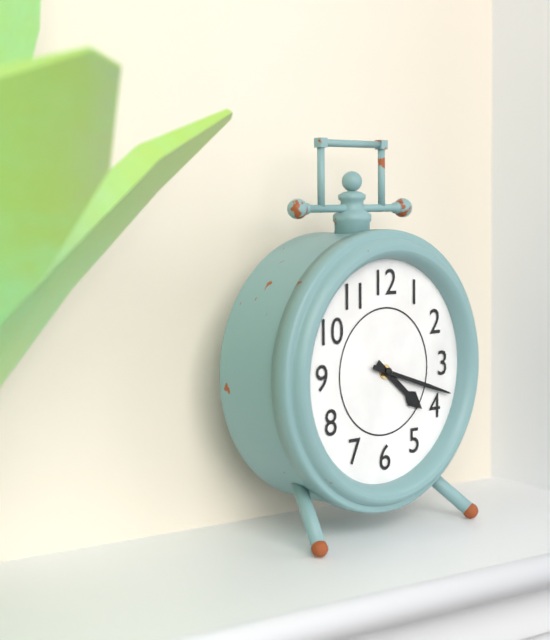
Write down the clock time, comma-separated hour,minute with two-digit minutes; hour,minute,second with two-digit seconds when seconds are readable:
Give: 4,18
